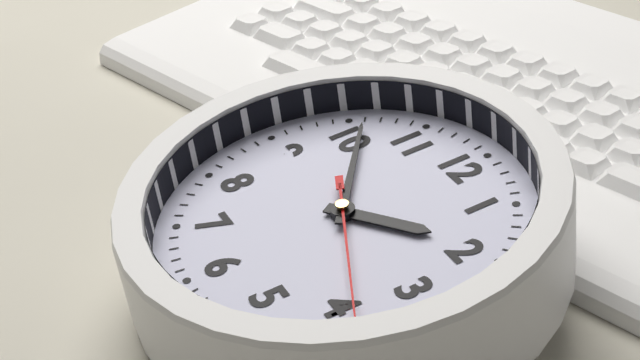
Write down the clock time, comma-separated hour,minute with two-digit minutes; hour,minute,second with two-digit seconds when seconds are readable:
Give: 1,51,19
